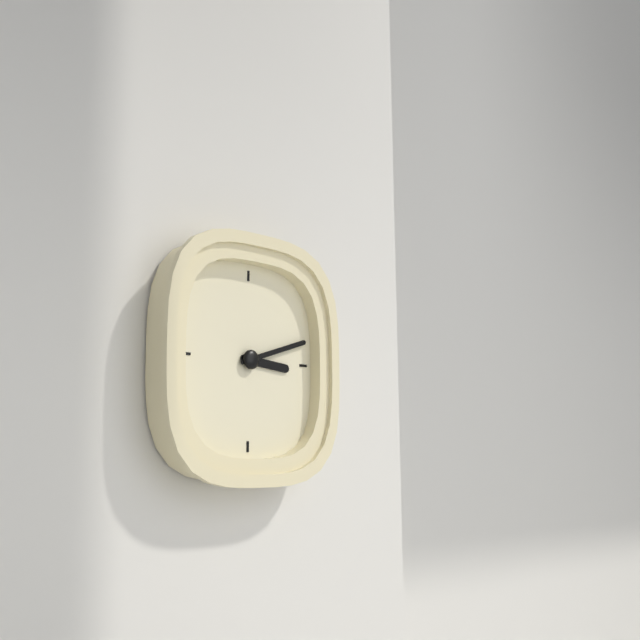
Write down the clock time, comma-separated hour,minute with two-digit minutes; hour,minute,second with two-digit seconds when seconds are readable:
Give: 3,12
